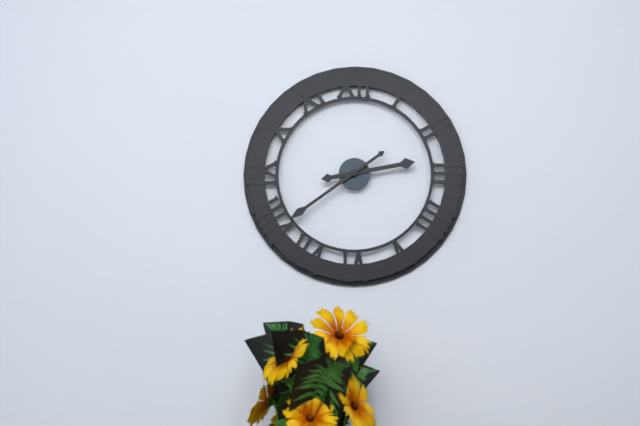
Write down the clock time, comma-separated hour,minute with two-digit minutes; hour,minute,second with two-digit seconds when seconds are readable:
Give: 2,39
